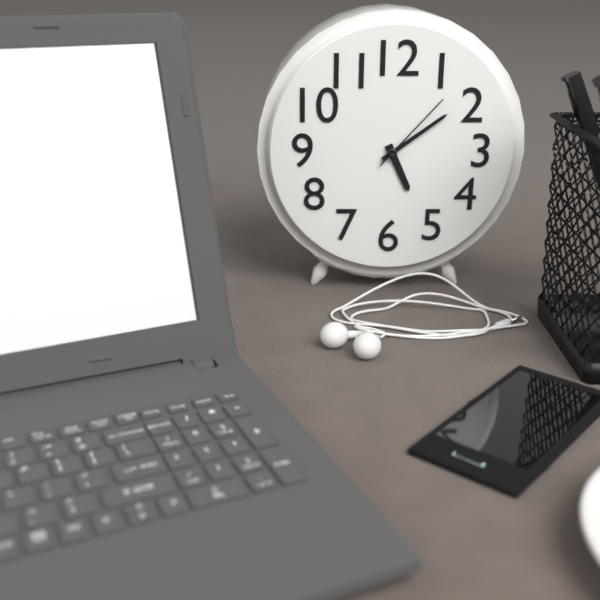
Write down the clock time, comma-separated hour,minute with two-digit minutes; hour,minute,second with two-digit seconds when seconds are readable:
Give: 5,09,07
